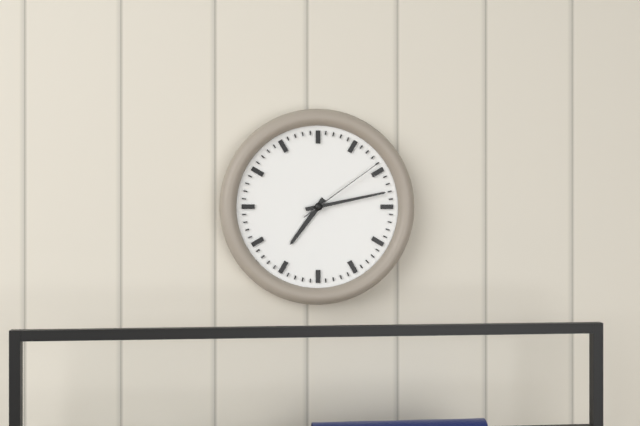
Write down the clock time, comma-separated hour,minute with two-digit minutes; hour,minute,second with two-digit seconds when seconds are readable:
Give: 7,13,09
